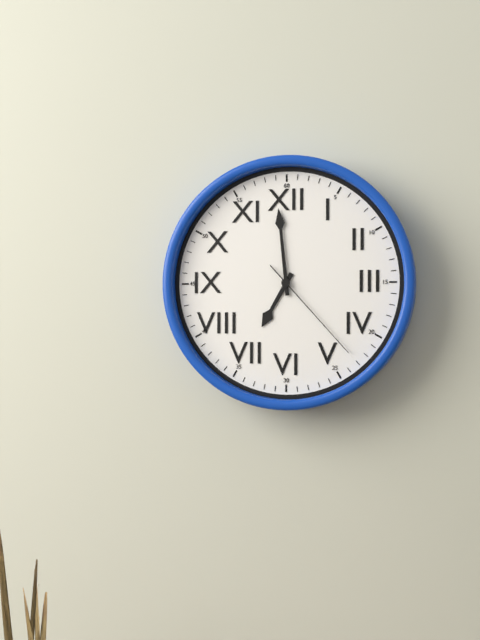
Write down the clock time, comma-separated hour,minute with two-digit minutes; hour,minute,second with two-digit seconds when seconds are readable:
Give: 6,59,23
